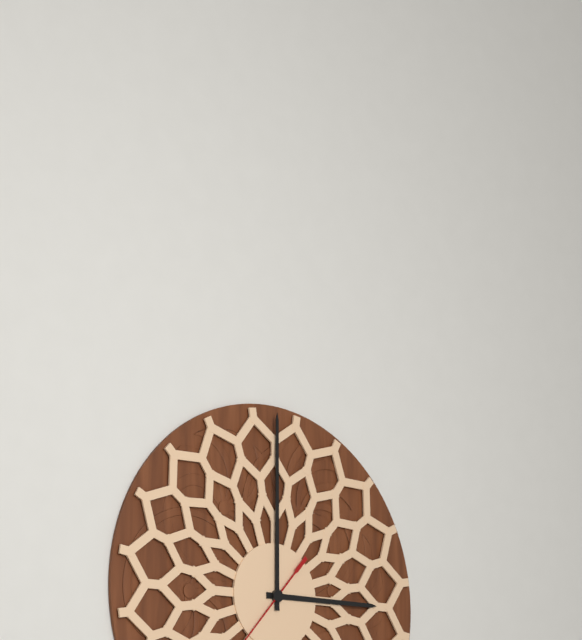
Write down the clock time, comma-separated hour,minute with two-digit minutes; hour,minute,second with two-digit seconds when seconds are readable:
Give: 3,00
